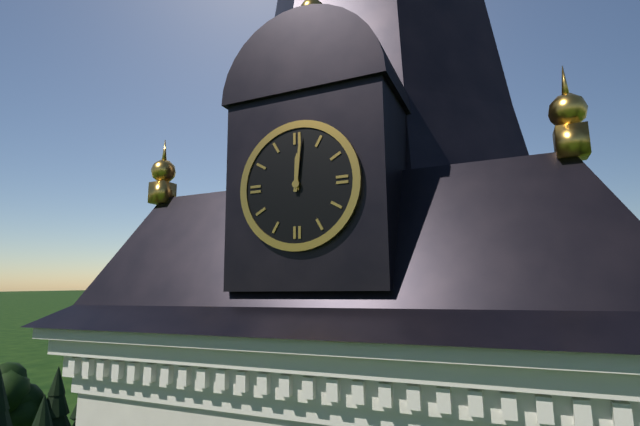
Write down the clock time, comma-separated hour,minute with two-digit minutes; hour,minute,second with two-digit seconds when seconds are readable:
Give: 12,01
